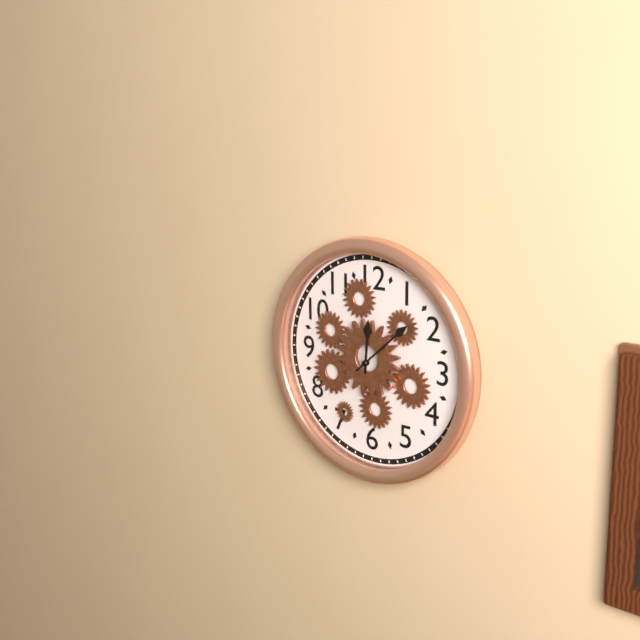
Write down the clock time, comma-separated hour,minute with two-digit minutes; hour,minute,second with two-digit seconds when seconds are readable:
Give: 12,08
